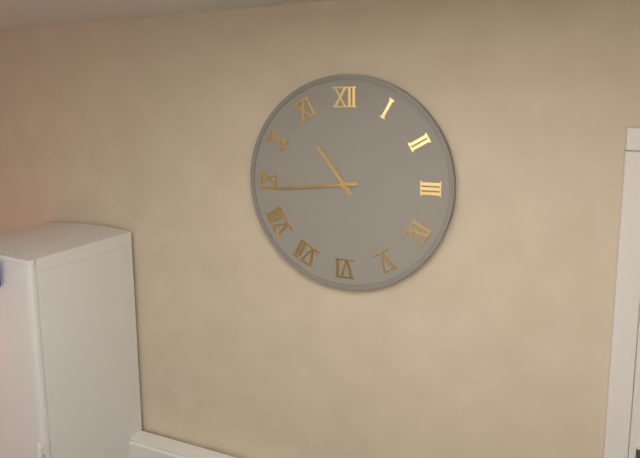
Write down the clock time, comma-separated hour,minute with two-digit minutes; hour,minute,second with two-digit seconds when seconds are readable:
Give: 10,44
